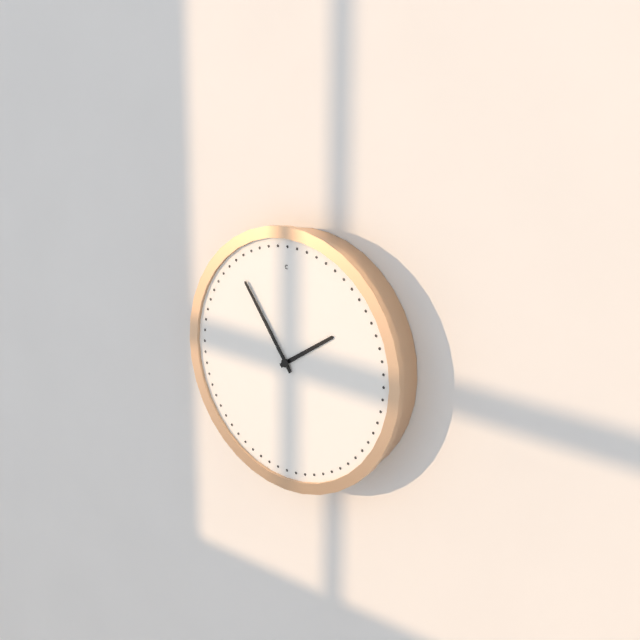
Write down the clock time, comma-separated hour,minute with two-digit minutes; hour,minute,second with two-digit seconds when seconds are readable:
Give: 1,54
